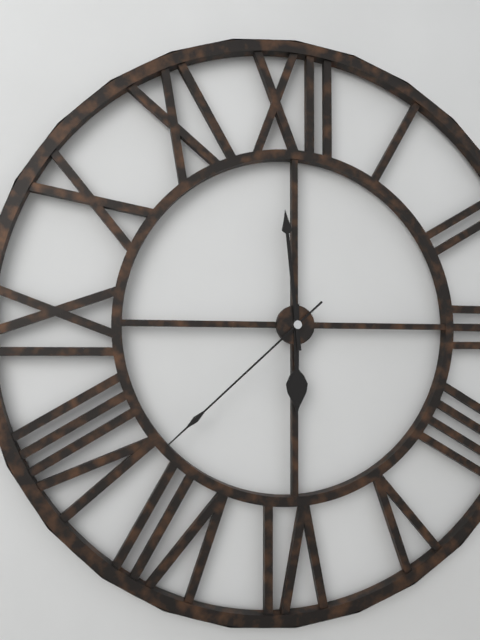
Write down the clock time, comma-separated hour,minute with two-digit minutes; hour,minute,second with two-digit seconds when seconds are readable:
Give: 5,59,38
